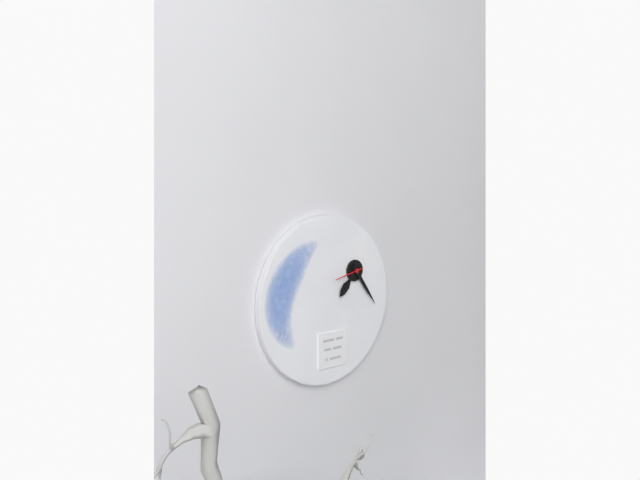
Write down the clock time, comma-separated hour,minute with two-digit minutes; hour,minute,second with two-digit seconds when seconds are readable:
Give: 7,24
